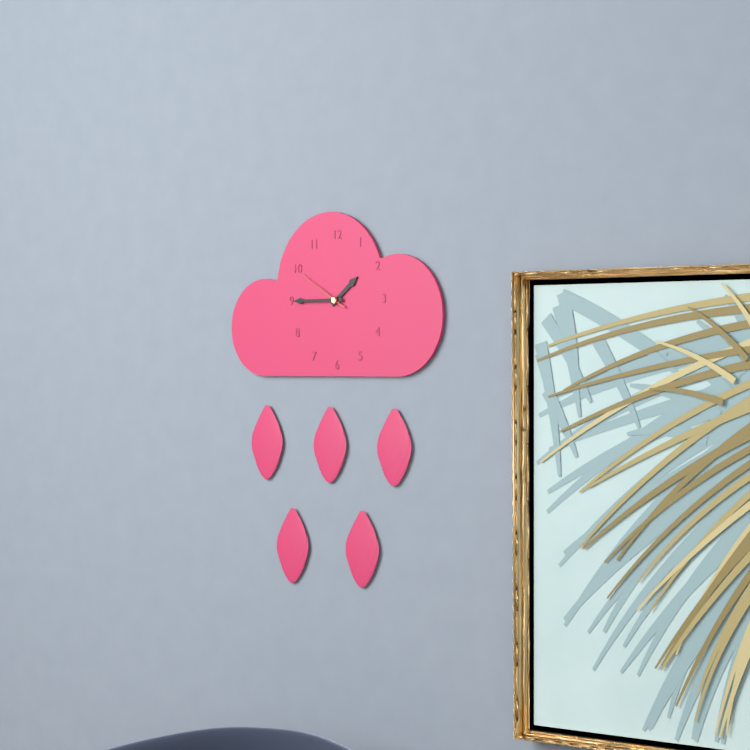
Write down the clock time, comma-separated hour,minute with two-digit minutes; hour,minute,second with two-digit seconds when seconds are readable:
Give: 1,45,50
